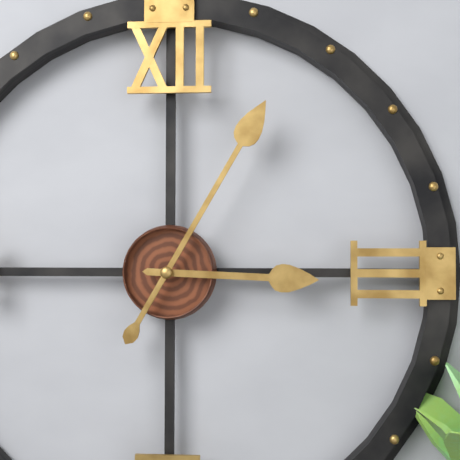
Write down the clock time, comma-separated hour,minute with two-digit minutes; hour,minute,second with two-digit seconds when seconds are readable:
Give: 3,05
